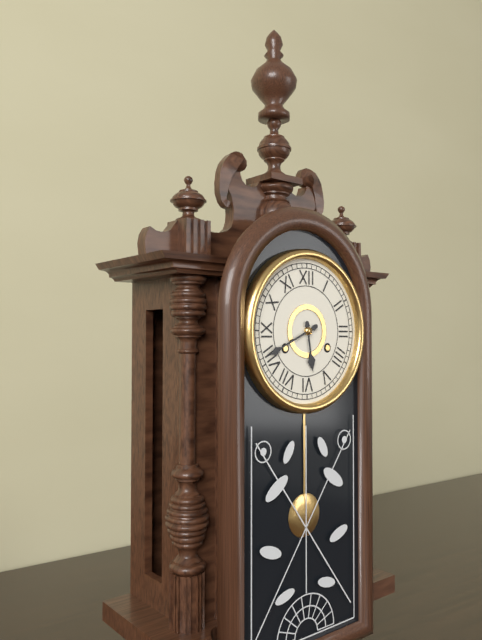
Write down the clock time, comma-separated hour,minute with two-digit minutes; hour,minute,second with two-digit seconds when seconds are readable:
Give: 5,41
